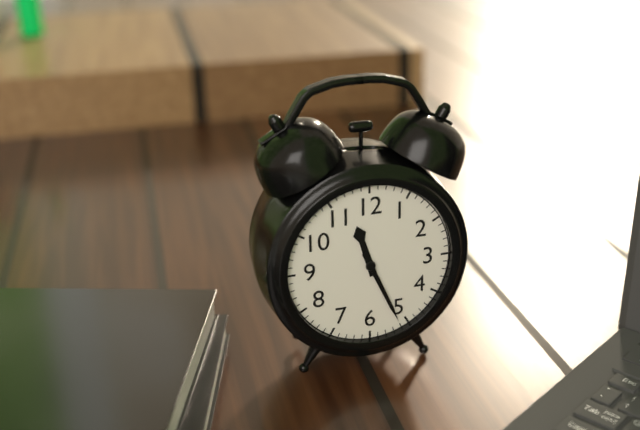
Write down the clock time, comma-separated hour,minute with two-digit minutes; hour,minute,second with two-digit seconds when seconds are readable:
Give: 11,26
